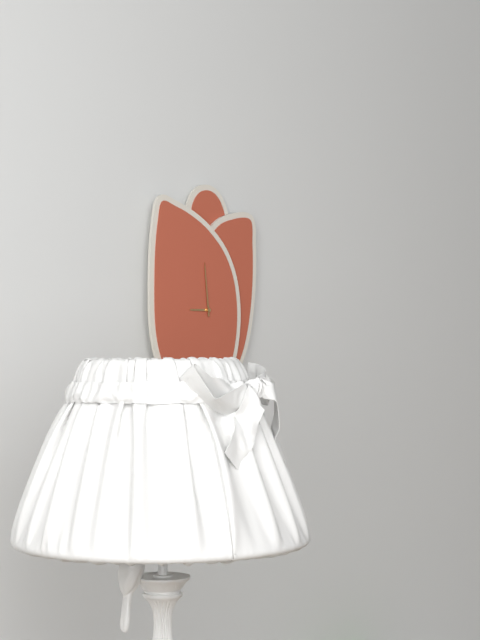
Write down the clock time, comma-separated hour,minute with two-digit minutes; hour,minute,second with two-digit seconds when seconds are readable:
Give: 8,59
